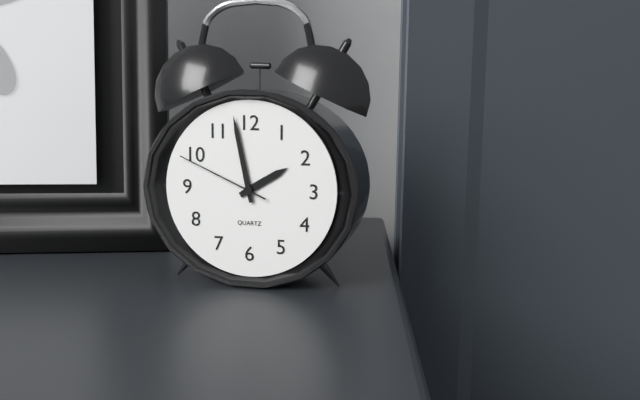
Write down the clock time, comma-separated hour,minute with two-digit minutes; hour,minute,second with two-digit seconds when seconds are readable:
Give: 1,58,49
